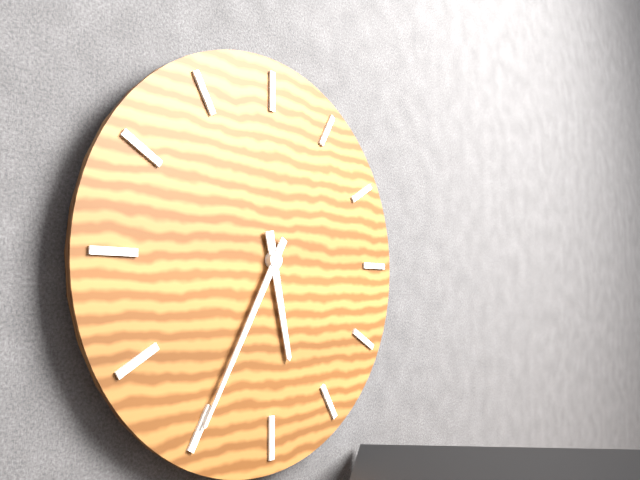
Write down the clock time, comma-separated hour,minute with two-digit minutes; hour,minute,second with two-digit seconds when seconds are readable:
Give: 5,35
